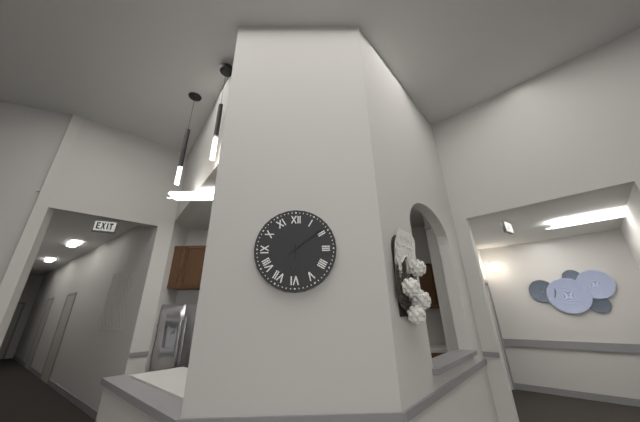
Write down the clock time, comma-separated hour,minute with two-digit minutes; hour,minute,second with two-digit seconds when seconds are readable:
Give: 6,09
